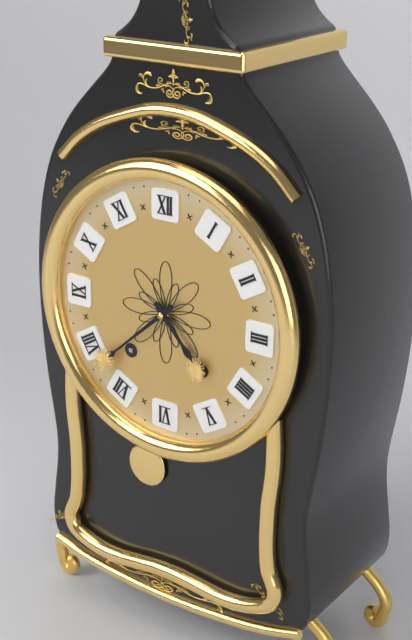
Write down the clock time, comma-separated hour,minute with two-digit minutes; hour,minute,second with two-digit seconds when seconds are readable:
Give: 4,38
